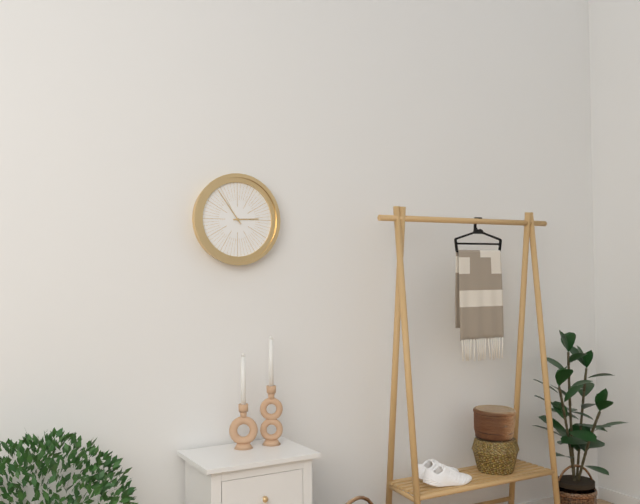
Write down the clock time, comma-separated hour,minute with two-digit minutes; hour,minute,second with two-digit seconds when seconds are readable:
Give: 2,54
